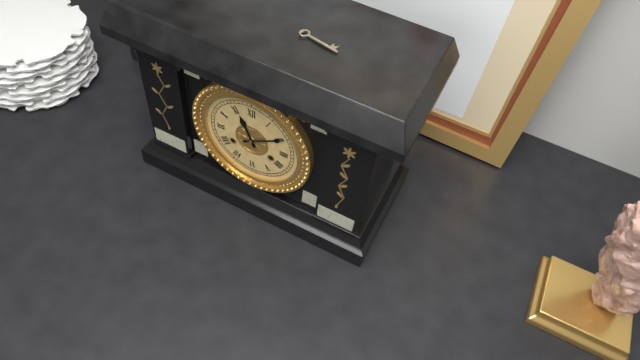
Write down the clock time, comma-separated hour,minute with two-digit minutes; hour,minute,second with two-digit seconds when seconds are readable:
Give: 11,10
